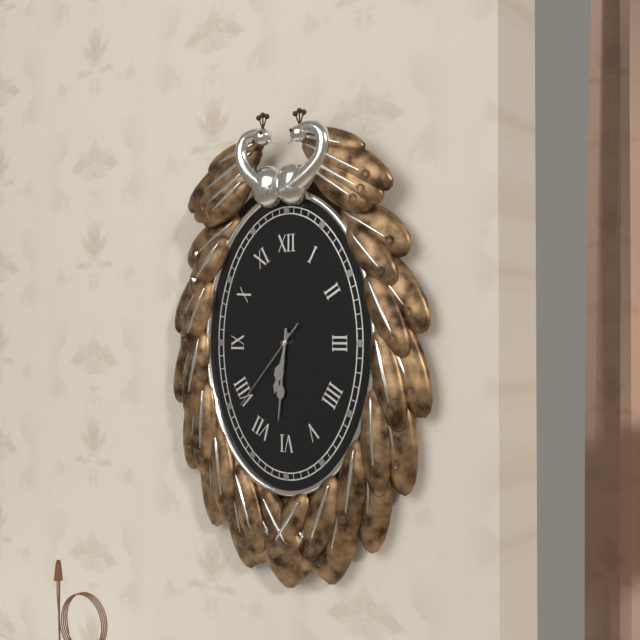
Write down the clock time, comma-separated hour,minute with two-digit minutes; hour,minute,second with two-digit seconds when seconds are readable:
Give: 6,31,37
